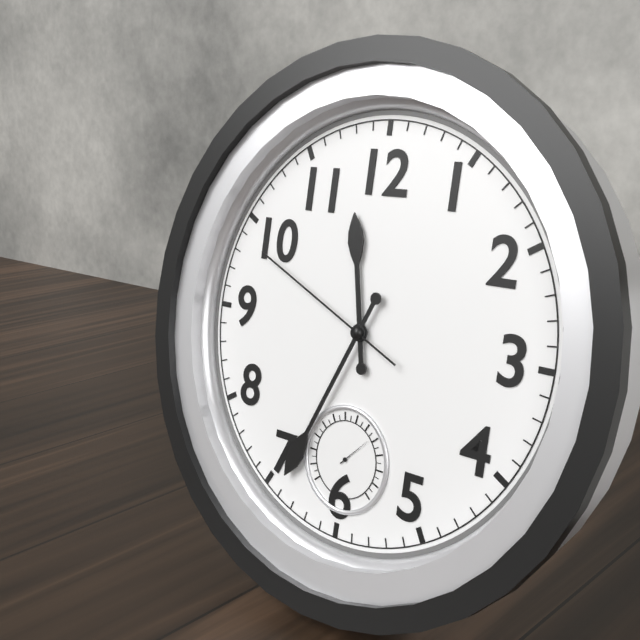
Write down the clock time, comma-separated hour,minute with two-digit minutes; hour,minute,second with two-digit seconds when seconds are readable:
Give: 11,34,49
